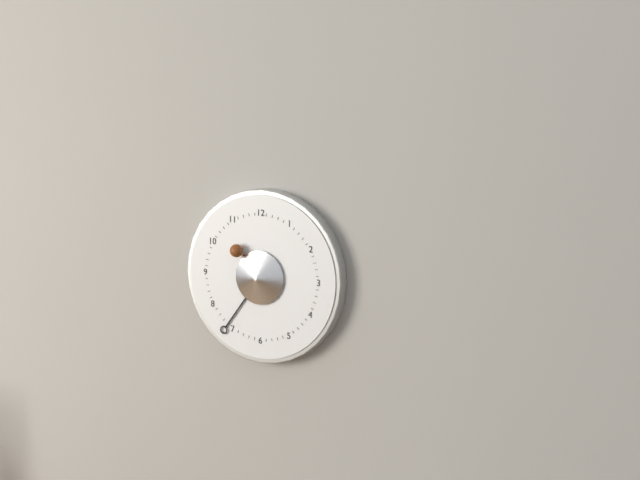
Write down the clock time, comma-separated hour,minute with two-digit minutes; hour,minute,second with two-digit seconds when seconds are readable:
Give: 10,36
